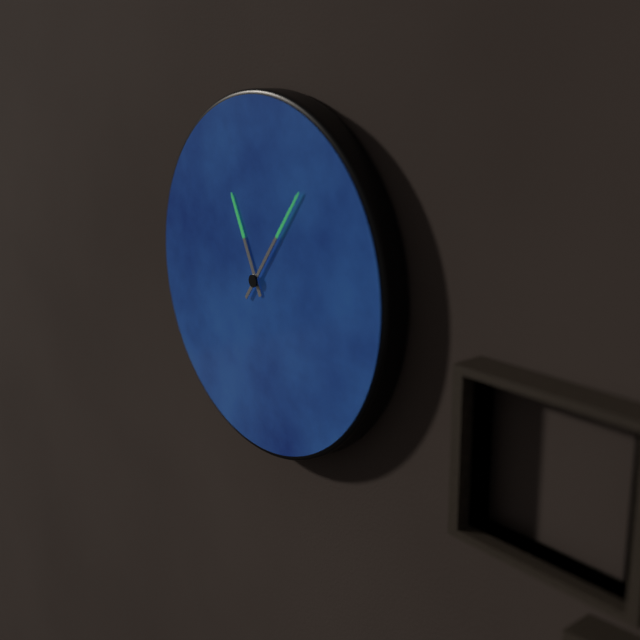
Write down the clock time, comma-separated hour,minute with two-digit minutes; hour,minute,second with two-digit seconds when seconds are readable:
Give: 11,06
